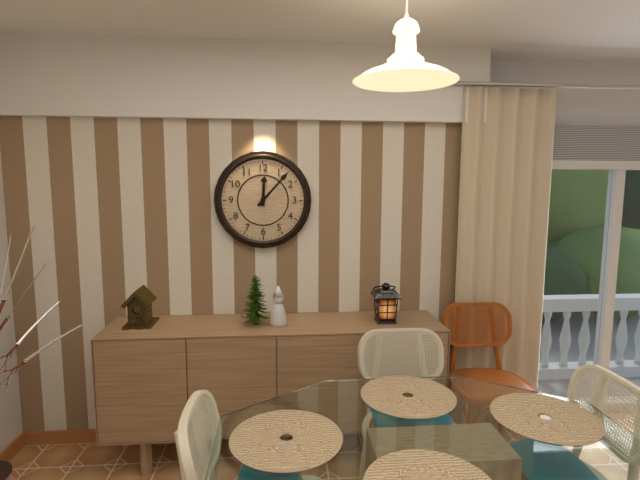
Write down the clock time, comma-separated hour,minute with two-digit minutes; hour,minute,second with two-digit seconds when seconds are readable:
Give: 12,07
